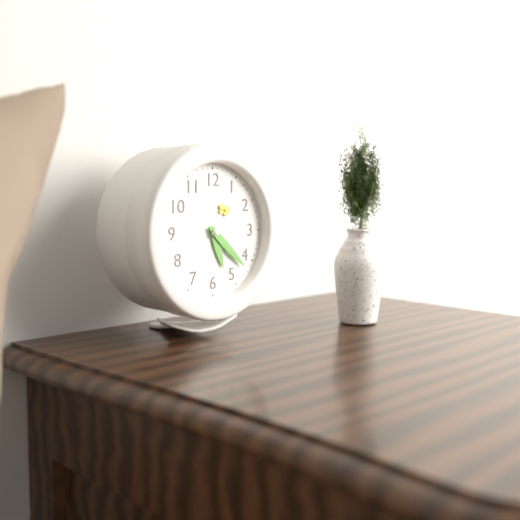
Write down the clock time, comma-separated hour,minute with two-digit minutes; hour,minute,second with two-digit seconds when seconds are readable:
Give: 5,22
